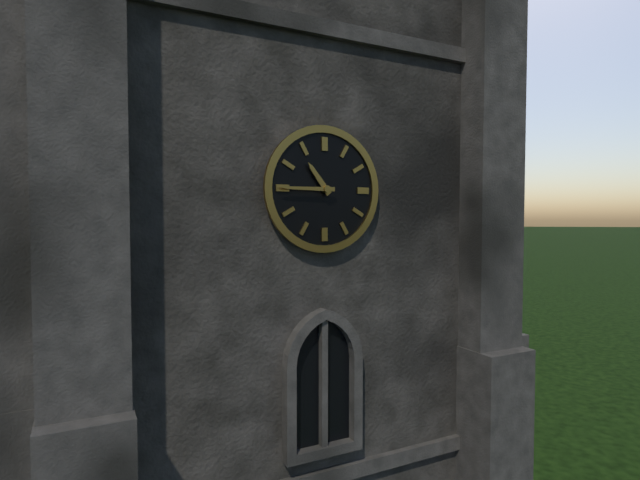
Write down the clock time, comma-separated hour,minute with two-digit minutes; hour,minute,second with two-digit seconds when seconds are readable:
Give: 10,45
